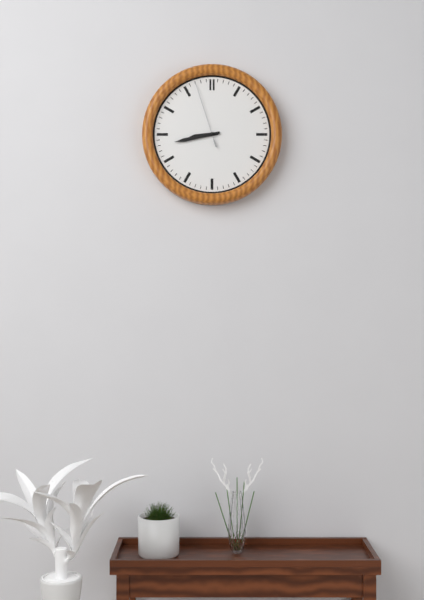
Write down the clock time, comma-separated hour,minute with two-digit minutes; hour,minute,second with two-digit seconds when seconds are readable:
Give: 8,43,57
